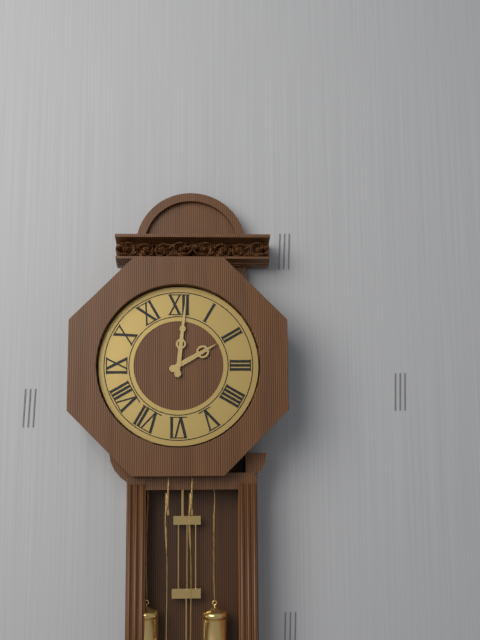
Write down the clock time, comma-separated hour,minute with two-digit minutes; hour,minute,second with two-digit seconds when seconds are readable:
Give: 2,01
